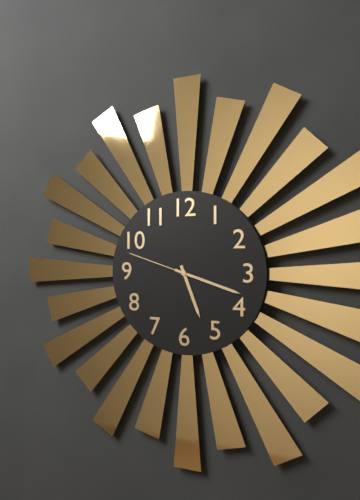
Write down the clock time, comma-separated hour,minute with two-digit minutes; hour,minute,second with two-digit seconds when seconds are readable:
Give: 5,18,48
